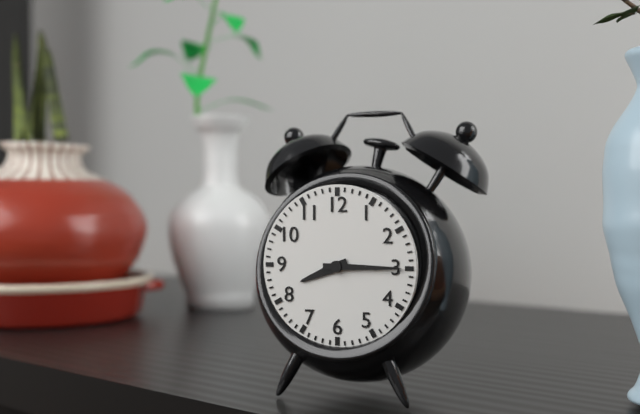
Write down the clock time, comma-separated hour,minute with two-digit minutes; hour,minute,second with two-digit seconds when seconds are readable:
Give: 8,15
